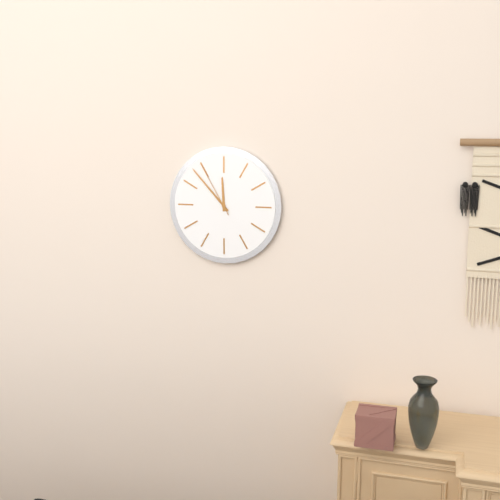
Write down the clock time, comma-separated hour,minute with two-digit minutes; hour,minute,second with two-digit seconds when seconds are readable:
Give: 11,53,55
